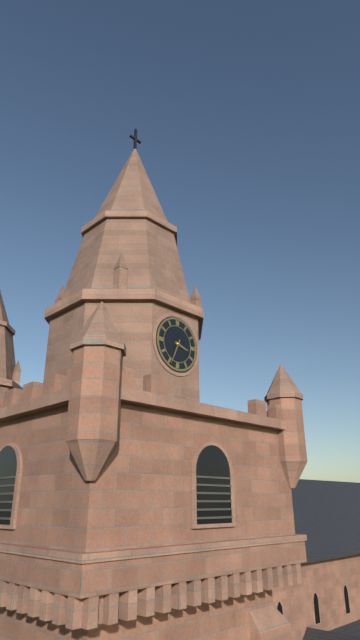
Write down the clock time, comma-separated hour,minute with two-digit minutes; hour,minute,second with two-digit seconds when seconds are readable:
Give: 3,34
